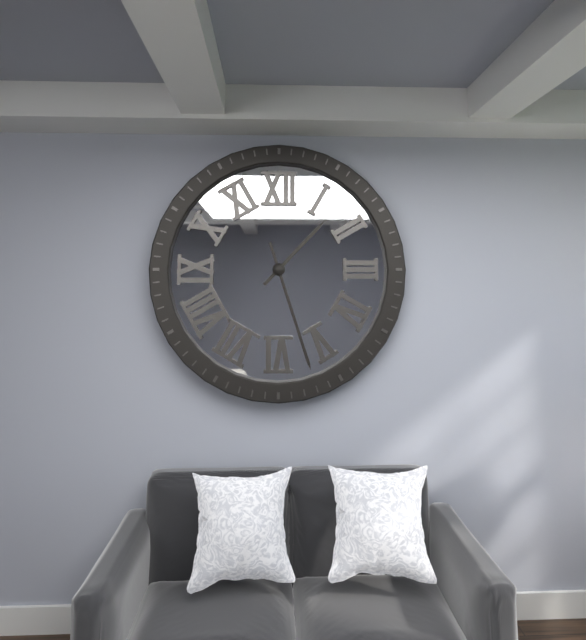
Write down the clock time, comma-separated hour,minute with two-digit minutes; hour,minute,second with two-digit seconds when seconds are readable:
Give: 1,27
